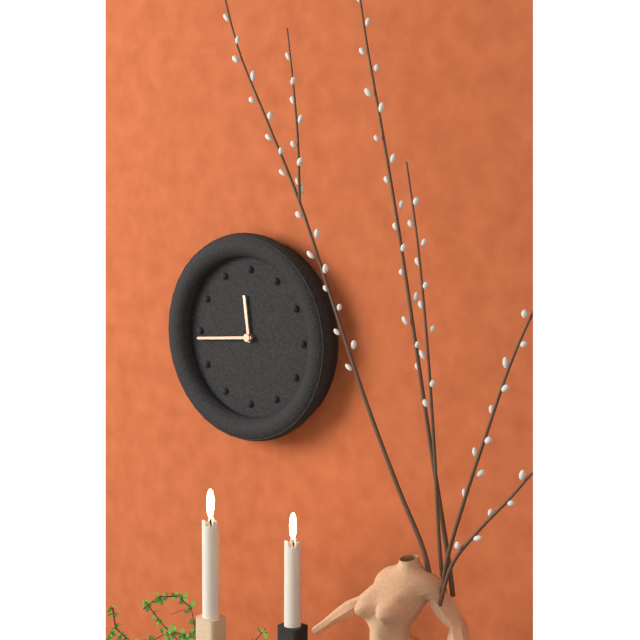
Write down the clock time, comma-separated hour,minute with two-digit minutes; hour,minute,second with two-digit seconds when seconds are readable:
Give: 11,44
